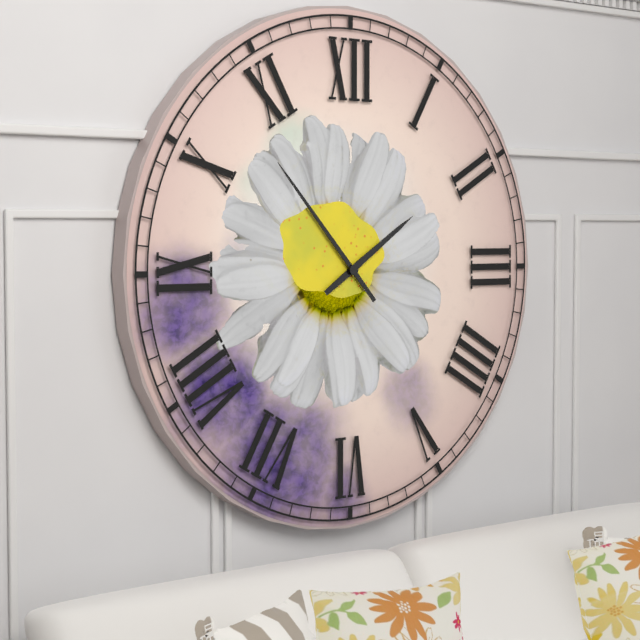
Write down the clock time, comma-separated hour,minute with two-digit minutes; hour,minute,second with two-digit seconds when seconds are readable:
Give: 1,53
